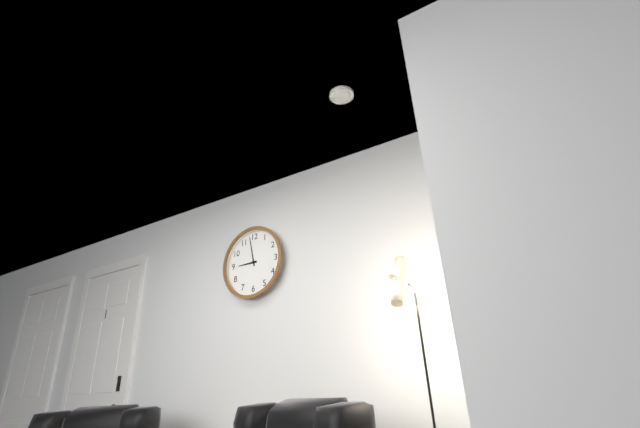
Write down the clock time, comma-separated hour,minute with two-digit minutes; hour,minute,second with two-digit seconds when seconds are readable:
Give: 8,58
